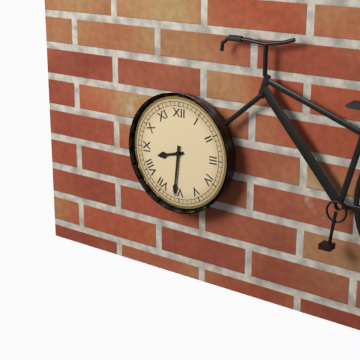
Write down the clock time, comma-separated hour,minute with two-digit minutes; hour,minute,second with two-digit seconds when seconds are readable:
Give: 8,31
